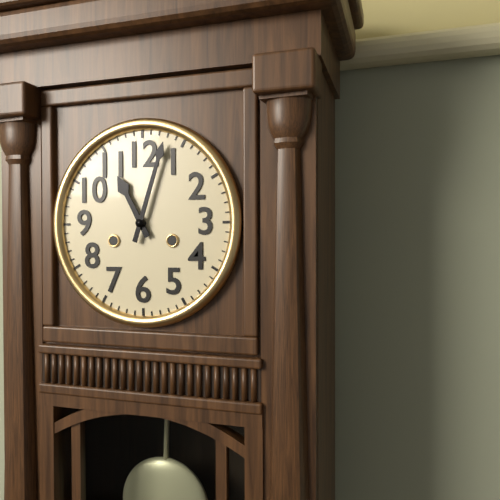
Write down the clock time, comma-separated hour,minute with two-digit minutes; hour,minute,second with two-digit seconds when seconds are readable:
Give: 11,03
